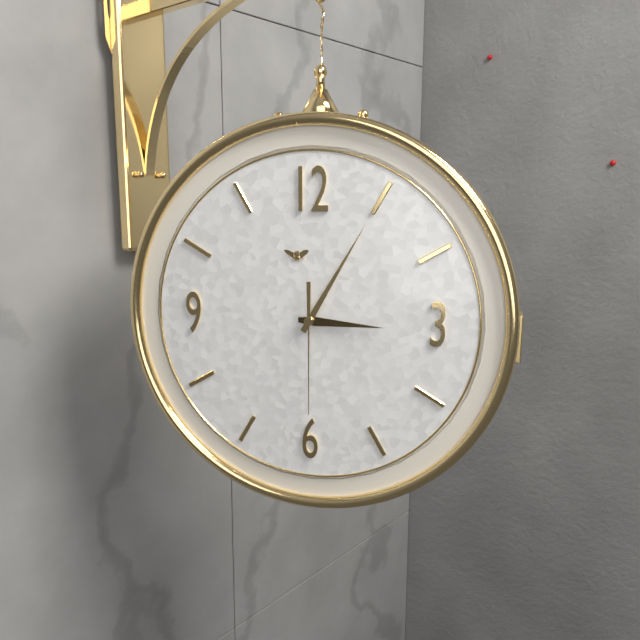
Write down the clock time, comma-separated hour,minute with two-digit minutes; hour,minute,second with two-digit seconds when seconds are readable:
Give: 3,05,30
